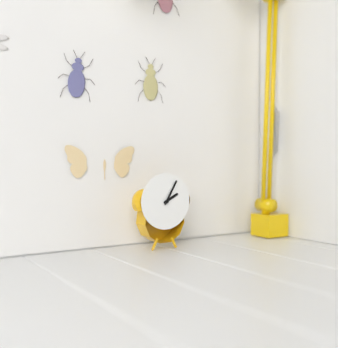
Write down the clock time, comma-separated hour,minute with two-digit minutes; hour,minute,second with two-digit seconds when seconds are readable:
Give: 2,05
